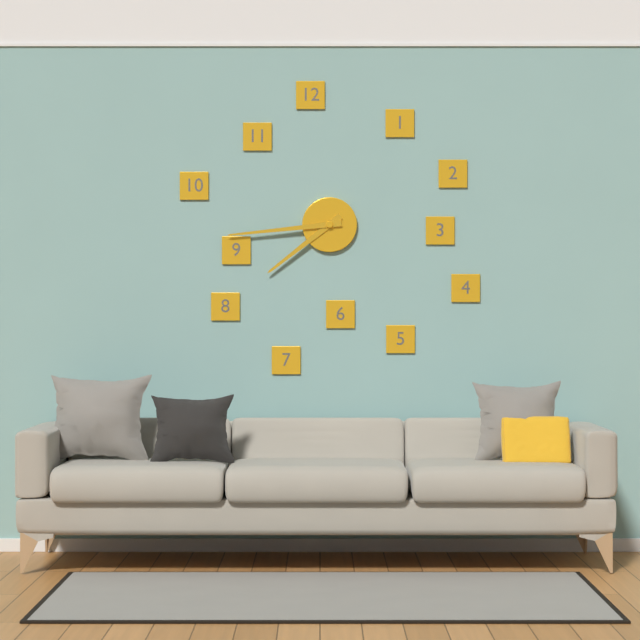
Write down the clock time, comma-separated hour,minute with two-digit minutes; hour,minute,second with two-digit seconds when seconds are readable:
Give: 7,44
